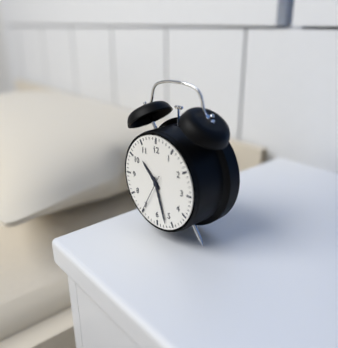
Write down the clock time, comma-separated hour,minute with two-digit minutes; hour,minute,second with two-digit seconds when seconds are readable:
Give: 10,27,35
